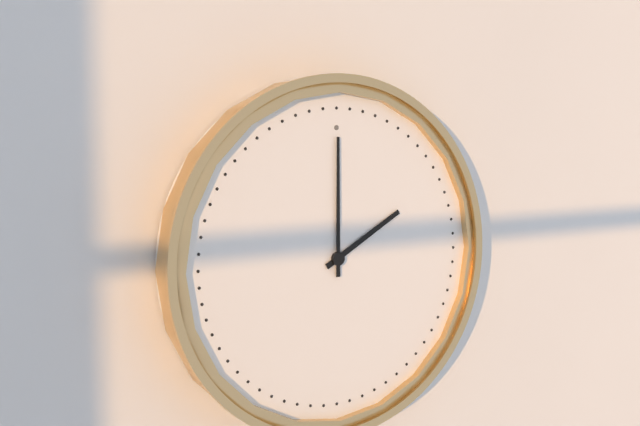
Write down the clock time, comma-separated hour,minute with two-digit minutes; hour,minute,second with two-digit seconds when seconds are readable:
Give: 2,00
